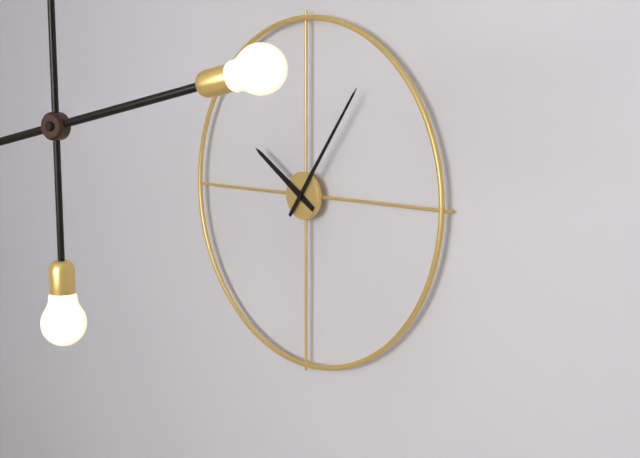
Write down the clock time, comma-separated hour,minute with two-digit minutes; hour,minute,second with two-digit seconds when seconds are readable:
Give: 10,06
